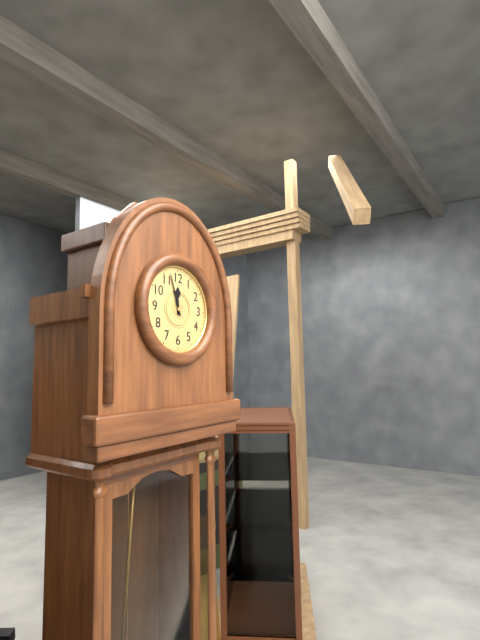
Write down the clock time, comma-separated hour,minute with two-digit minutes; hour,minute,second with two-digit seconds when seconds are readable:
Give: 11,57
